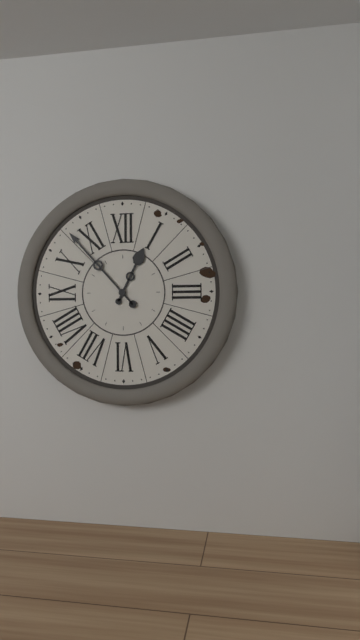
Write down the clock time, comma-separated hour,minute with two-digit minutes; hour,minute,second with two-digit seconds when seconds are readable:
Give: 12,53
